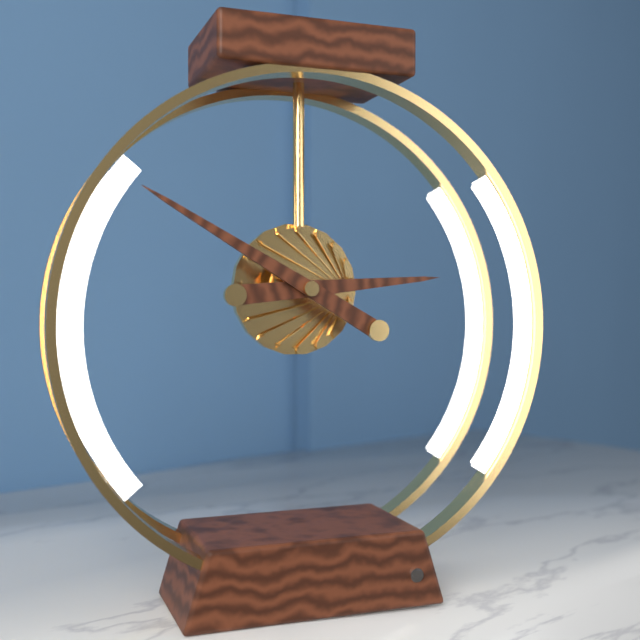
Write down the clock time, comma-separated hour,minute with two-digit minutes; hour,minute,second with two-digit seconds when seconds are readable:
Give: 2,50
